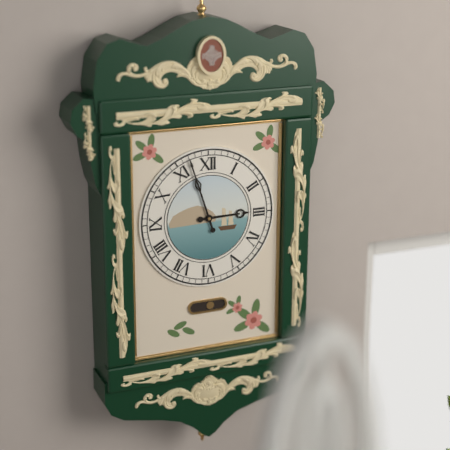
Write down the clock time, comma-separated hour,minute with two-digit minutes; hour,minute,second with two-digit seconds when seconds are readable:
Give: 2,57
